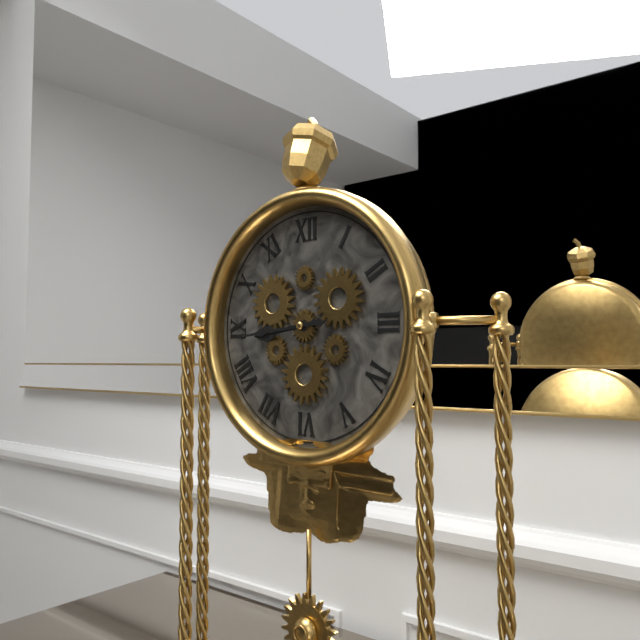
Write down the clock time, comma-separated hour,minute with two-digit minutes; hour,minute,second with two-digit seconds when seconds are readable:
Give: 8,44
